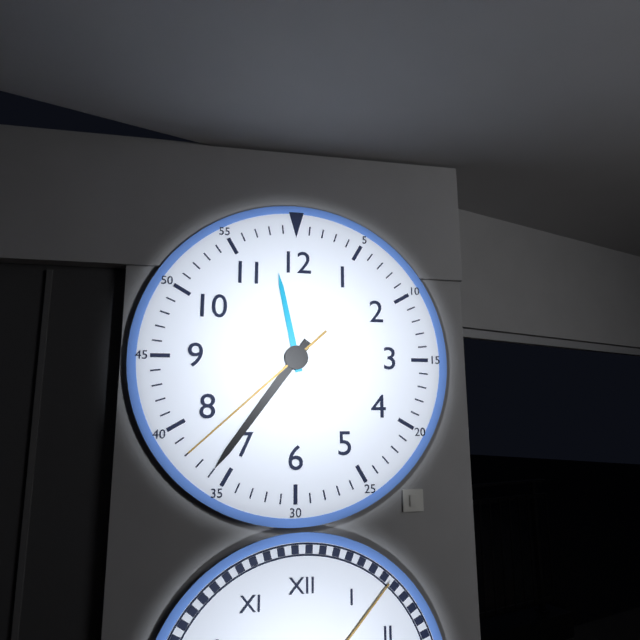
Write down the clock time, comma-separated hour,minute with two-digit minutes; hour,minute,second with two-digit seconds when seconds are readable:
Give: 11,36,38
